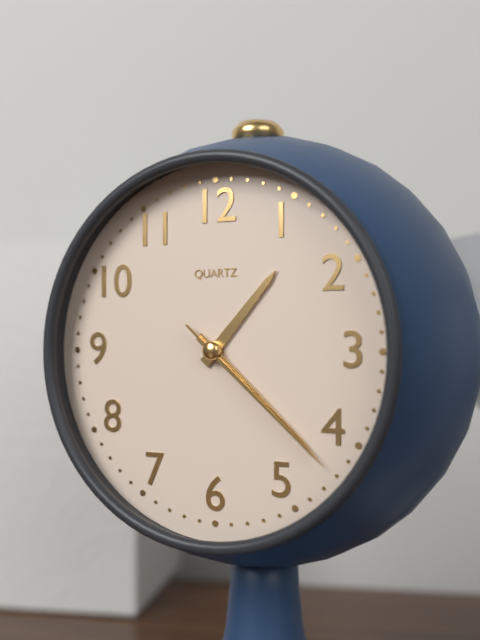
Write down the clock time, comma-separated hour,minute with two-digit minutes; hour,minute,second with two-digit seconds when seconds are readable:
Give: 1,22,22
